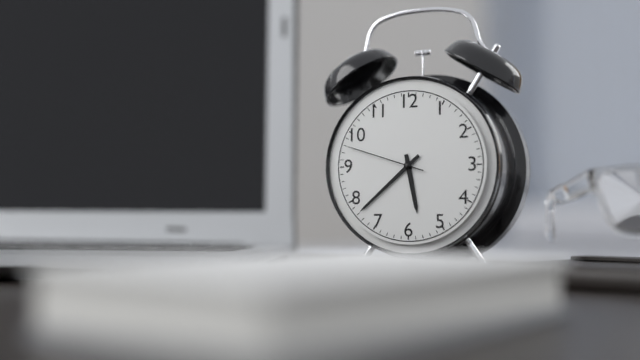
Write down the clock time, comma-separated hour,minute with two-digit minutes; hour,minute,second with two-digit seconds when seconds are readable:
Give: 5,38,48
